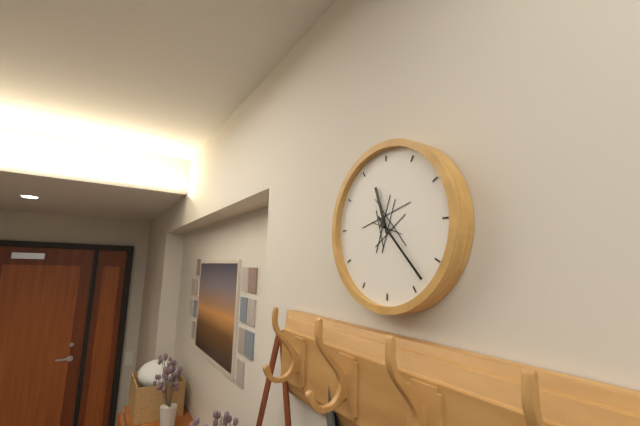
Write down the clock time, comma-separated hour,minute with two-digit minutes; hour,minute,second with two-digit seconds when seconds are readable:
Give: 11,23
